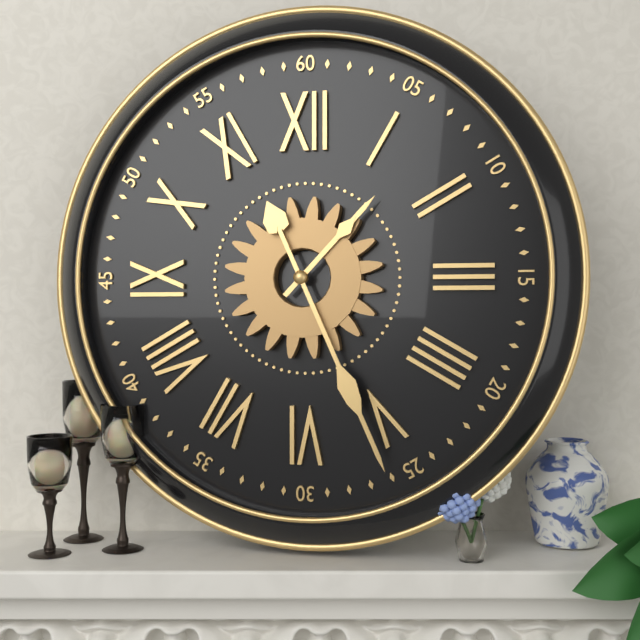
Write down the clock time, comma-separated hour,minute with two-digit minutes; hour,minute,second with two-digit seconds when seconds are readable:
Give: 1,26
